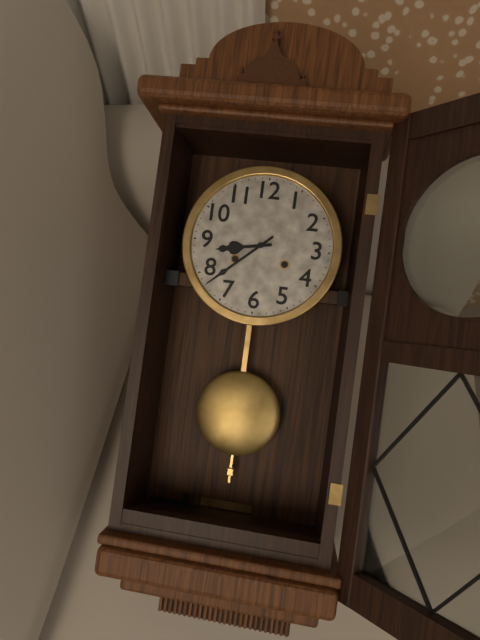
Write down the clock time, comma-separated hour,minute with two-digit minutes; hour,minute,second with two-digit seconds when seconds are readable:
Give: 8,38
